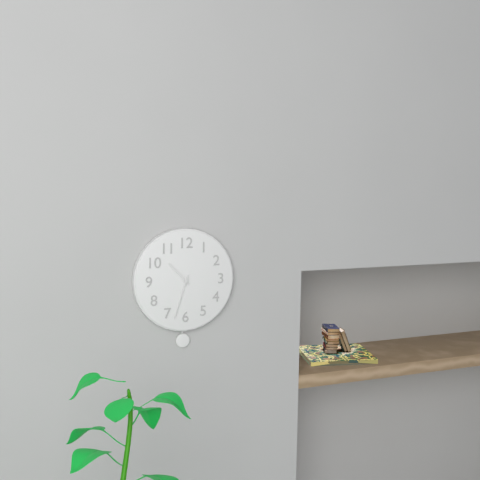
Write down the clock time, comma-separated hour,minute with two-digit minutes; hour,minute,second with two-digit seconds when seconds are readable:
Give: 10,33
